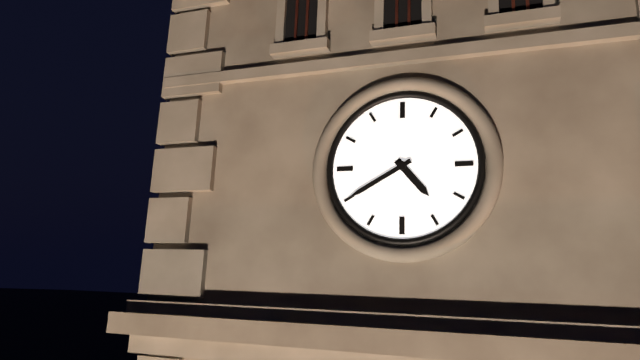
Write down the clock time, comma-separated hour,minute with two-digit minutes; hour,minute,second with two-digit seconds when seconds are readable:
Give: 4,40
